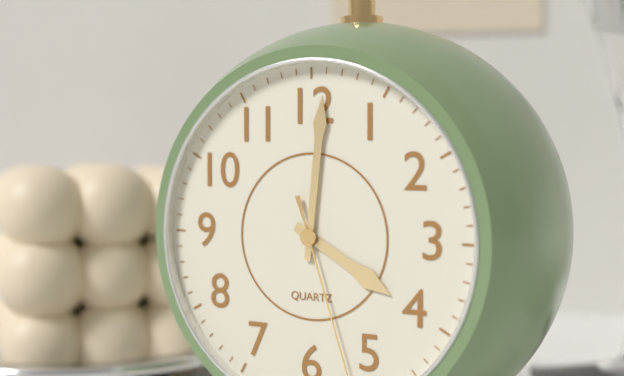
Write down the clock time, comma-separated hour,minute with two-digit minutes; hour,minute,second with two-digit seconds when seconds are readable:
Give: 4,01
